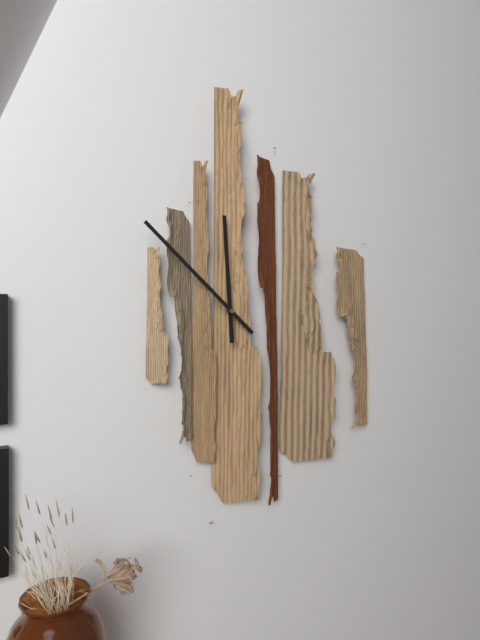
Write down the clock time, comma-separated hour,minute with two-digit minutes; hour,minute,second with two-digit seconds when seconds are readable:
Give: 11,52
